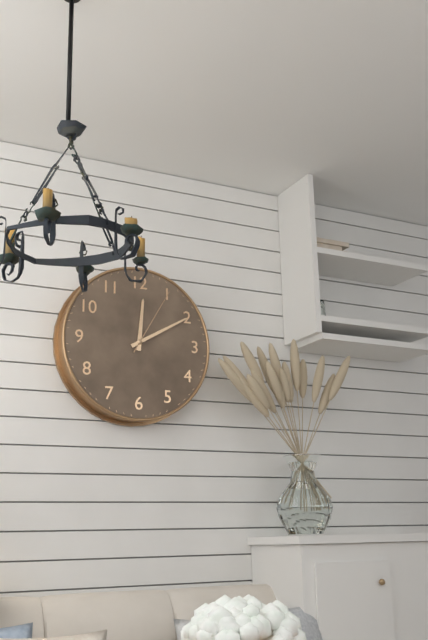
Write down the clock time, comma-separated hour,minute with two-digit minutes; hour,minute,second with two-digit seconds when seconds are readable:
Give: 12,10,05
